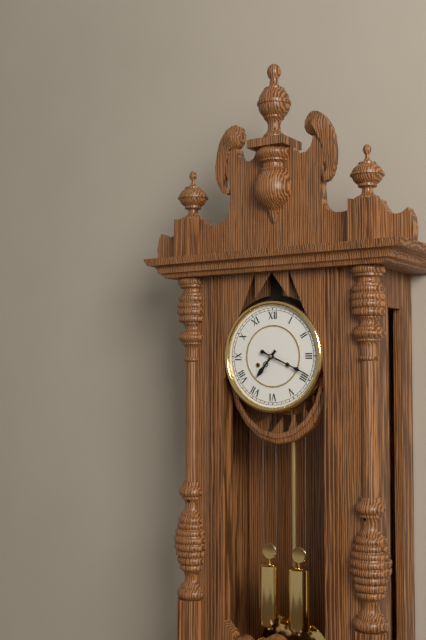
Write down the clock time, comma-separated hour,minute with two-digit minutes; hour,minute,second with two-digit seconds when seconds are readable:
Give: 7,19
